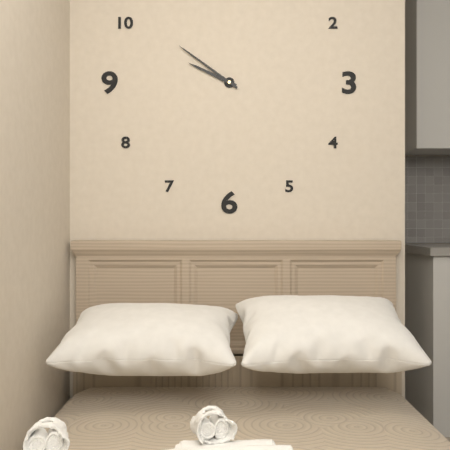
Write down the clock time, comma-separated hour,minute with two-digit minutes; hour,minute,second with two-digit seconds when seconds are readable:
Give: 9,51
